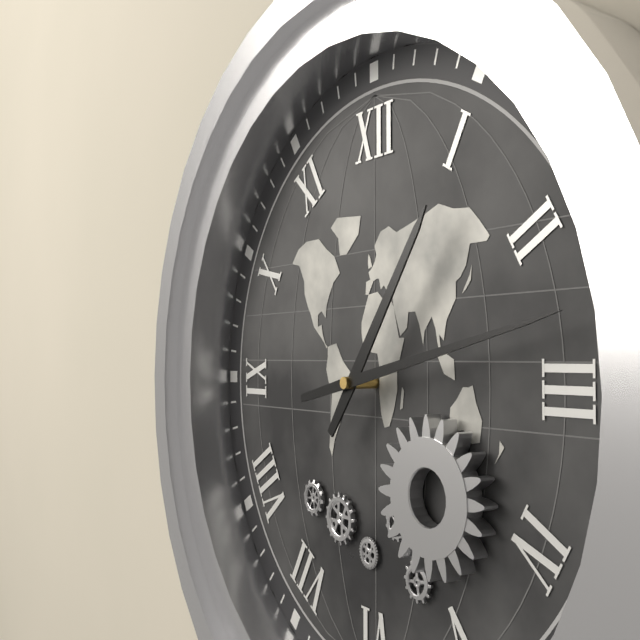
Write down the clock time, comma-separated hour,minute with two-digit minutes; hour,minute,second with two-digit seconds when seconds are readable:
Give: 1,13
